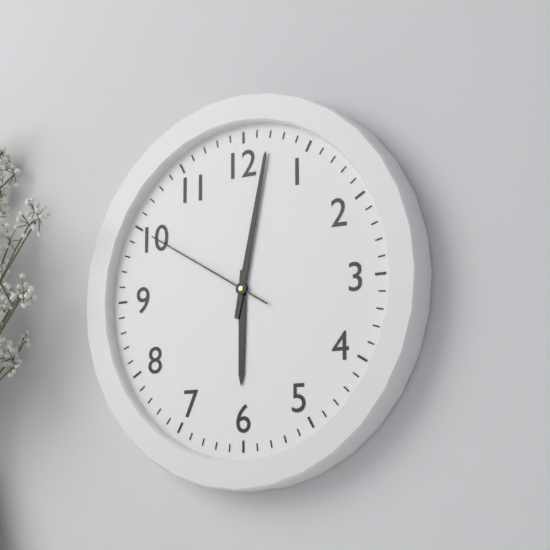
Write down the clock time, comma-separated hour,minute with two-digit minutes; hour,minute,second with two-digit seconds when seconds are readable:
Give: 6,02,50
